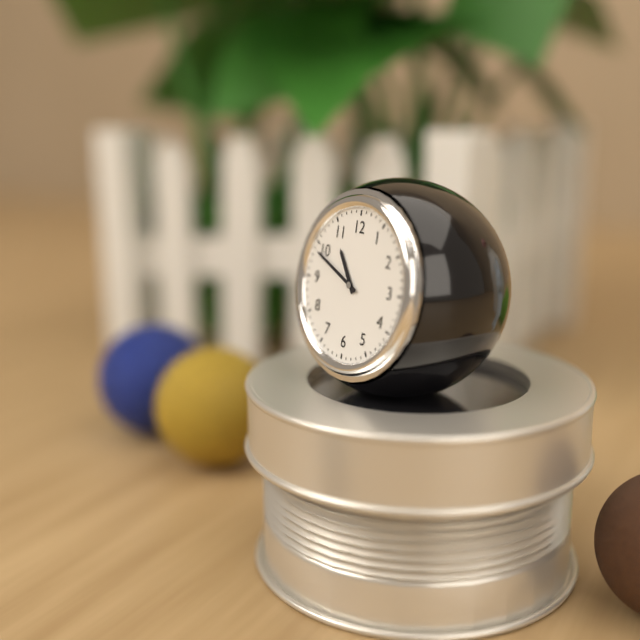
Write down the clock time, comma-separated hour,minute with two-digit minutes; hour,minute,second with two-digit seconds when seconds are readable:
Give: 10,49
